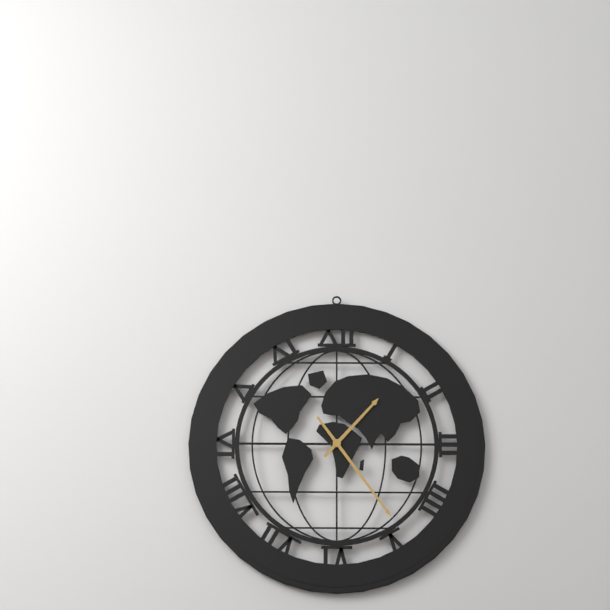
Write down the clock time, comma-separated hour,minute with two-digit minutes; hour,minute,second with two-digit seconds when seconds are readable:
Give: 1,24
